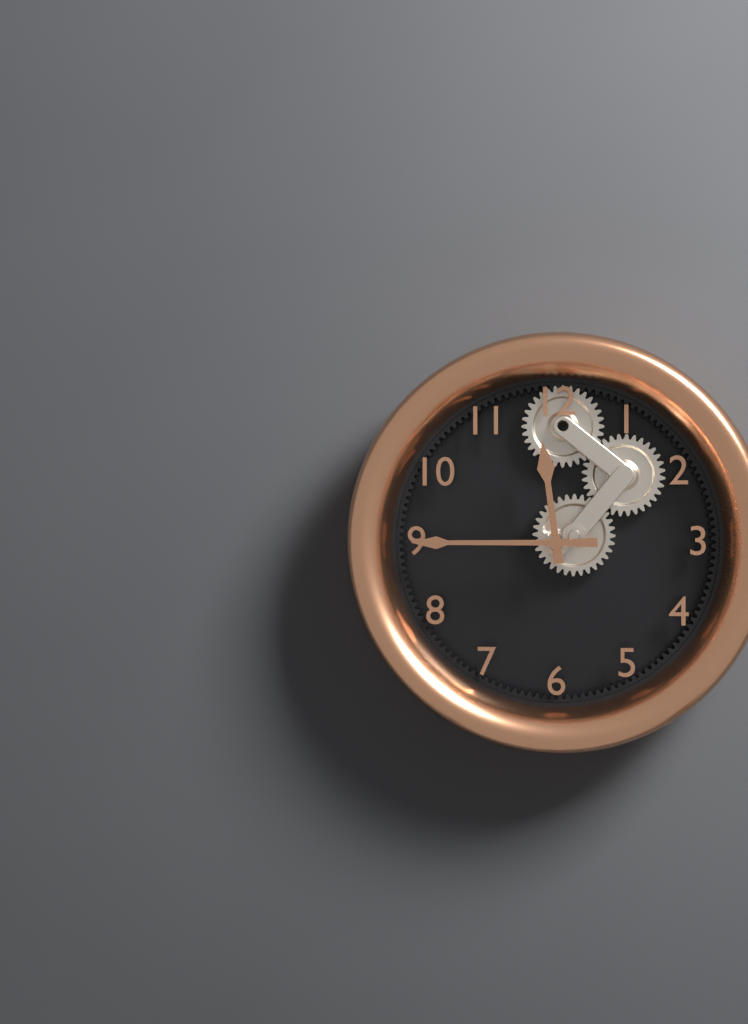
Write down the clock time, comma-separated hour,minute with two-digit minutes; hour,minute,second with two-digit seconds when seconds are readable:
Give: 11,45
